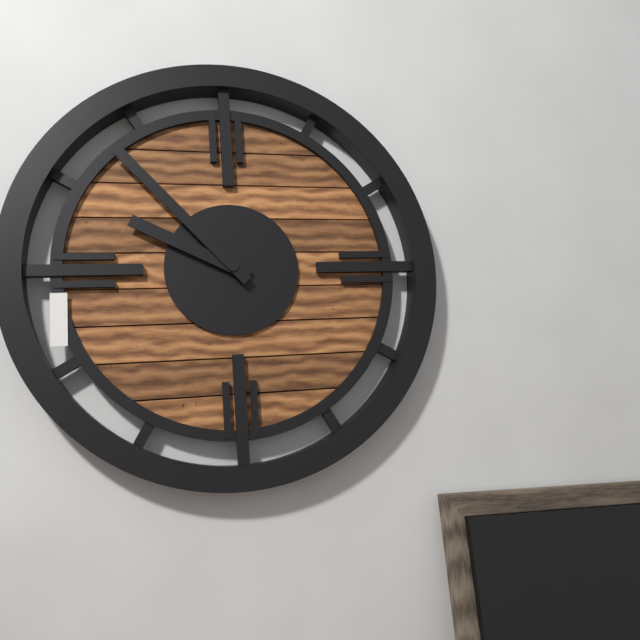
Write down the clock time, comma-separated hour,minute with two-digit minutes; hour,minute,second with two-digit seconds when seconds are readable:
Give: 9,53
